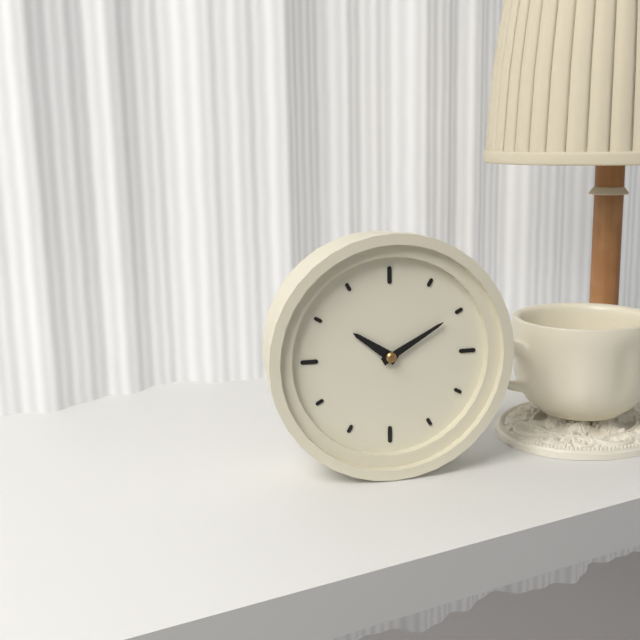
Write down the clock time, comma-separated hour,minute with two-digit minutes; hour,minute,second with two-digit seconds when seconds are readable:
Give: 10,10
